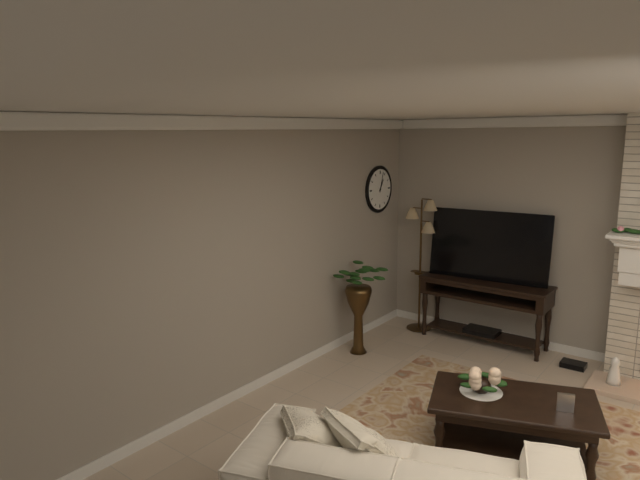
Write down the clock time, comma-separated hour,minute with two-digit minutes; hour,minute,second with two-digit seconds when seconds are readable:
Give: 1,03
